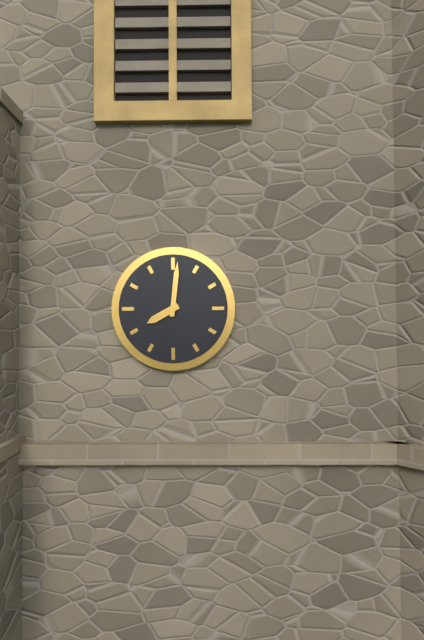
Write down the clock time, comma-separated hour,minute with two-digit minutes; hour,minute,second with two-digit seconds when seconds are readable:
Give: 8,01
